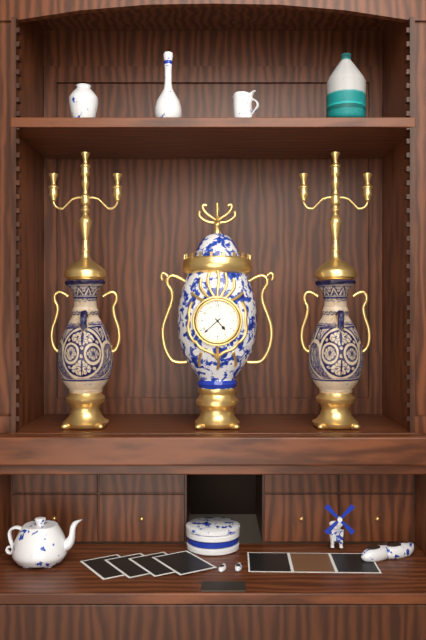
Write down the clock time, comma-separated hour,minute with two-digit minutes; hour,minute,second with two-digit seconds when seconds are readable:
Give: 4,38
